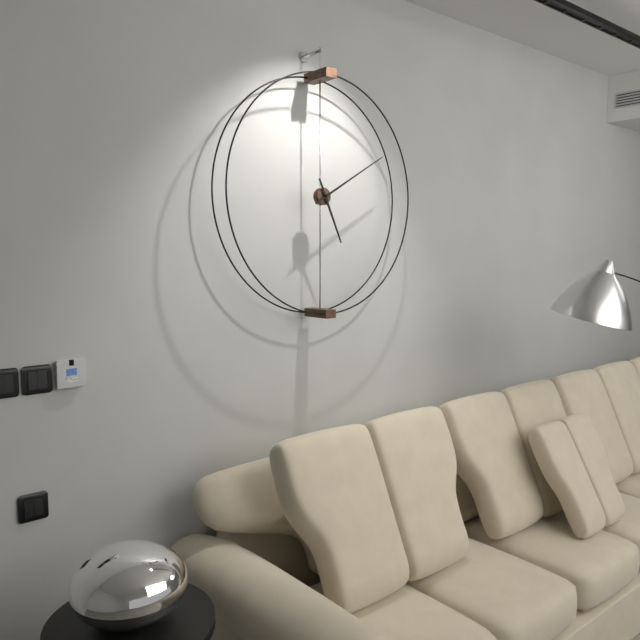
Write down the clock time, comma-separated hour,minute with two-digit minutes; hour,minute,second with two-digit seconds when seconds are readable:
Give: 5,10
